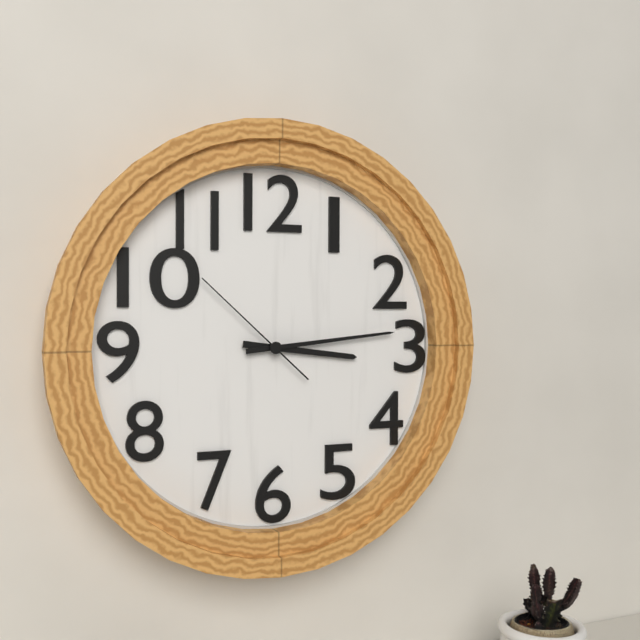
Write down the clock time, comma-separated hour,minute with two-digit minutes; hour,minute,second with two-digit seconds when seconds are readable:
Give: 3,14,52
